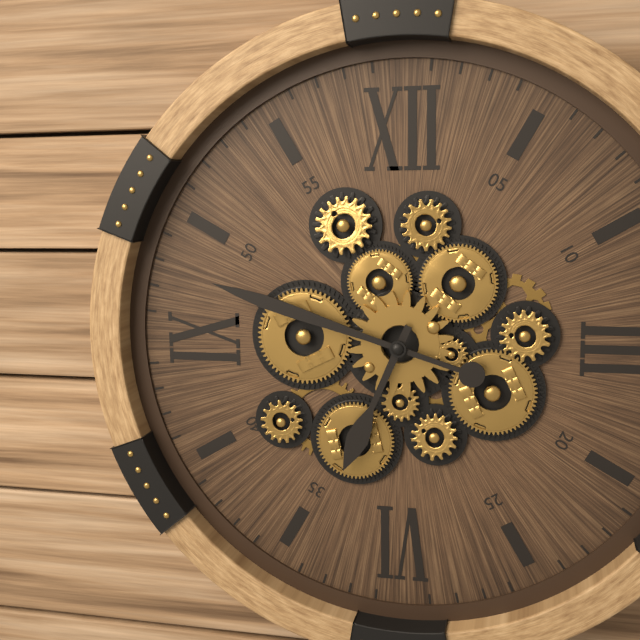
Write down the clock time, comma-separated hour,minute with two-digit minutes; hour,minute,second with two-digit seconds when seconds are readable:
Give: 6,48
